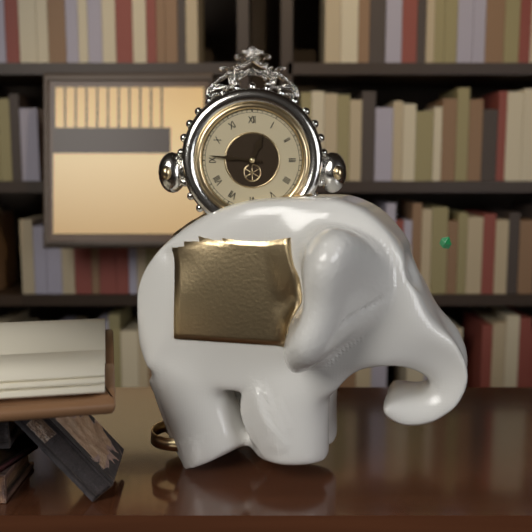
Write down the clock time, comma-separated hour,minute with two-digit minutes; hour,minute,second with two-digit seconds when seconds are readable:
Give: 12,46
